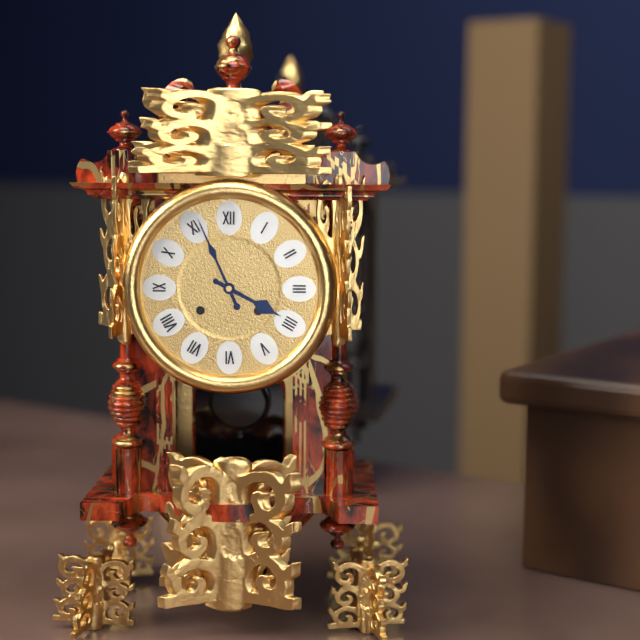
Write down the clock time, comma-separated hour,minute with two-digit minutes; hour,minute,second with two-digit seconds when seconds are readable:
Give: 3,56
